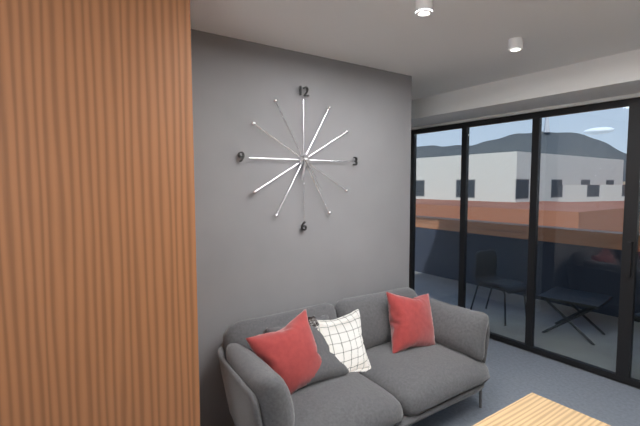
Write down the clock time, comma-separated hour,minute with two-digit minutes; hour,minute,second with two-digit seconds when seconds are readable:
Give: 6,25
